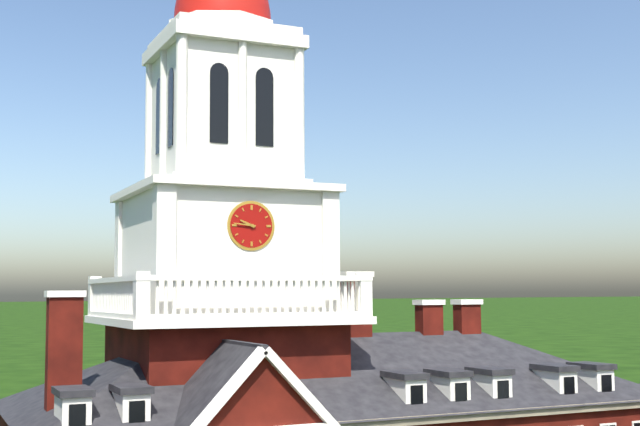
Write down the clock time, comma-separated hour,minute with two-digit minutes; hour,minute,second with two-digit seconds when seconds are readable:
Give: 9,46
